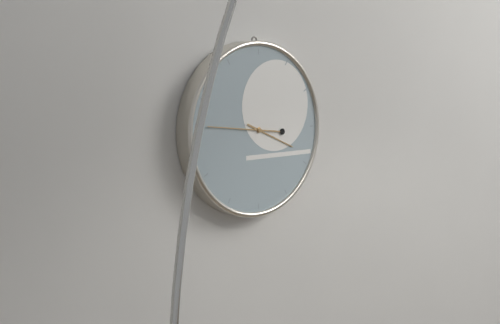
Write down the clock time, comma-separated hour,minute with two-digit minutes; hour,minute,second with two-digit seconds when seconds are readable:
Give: 3,46
